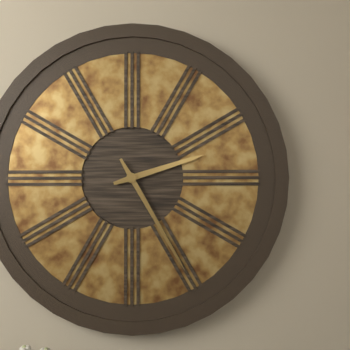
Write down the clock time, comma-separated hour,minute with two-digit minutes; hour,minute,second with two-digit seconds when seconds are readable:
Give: 2,25
